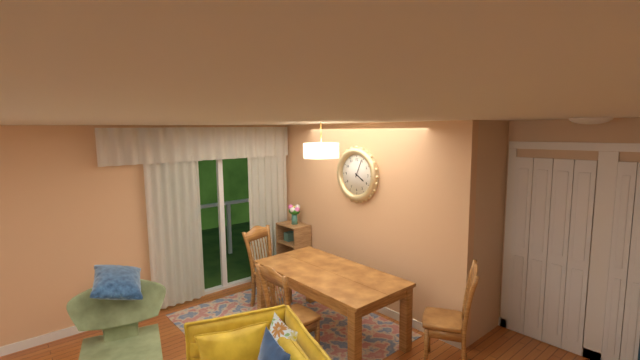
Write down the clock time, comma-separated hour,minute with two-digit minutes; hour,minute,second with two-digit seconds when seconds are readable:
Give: 4,04
